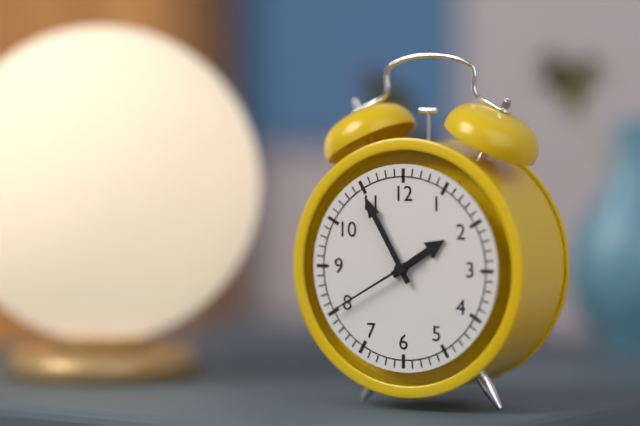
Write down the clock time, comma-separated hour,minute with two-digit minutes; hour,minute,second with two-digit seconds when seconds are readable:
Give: 1,55,40
